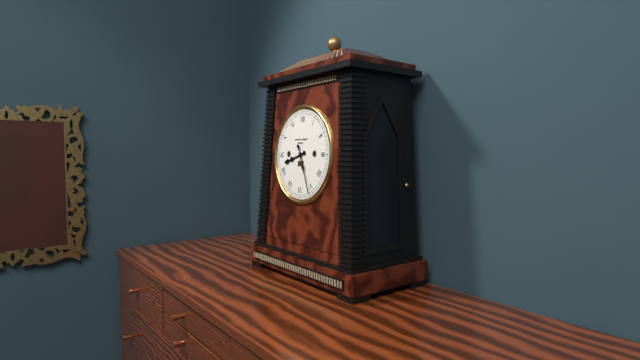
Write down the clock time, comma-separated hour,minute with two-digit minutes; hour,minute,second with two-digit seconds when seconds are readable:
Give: 8,26
